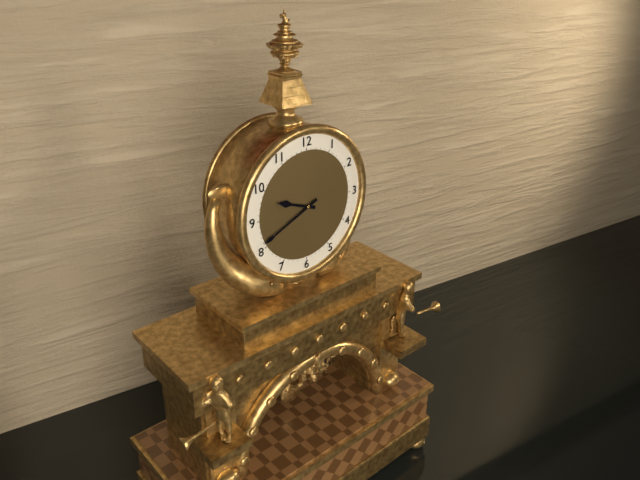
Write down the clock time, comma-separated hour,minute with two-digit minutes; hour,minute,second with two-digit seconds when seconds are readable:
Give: 9,41
